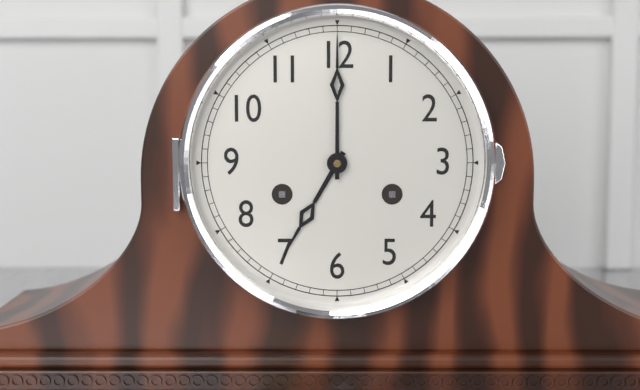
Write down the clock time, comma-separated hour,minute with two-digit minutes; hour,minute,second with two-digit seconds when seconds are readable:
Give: 7,00
